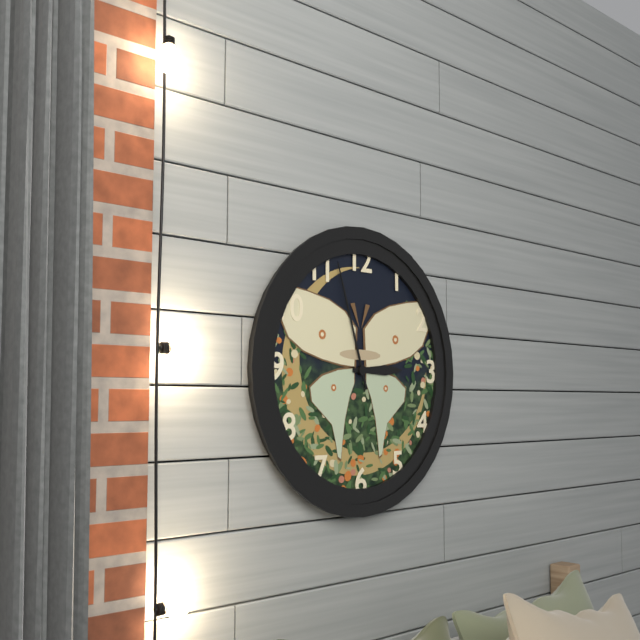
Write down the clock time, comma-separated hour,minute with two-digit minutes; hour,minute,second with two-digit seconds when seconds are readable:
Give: 2,57
